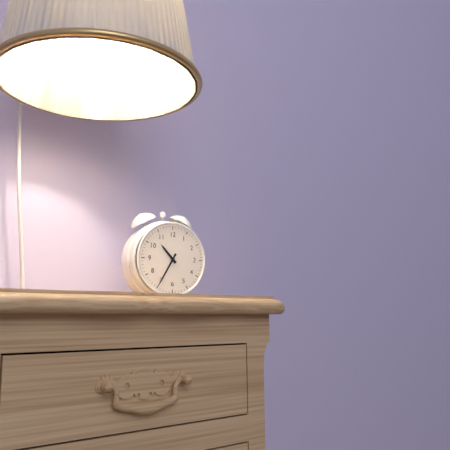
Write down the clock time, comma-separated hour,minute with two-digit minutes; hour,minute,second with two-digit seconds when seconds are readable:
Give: 10,35
